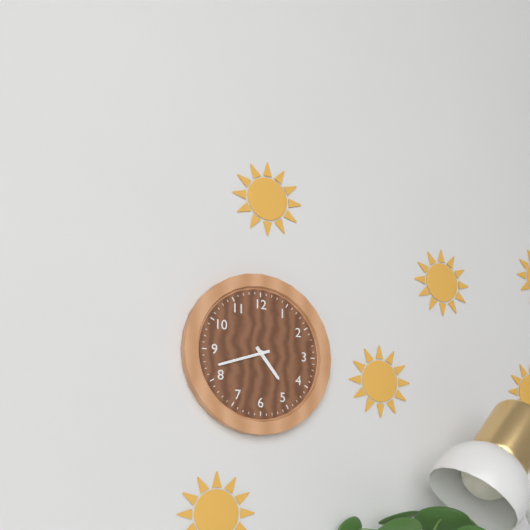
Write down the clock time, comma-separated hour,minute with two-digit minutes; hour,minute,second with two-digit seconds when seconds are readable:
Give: 4,42
